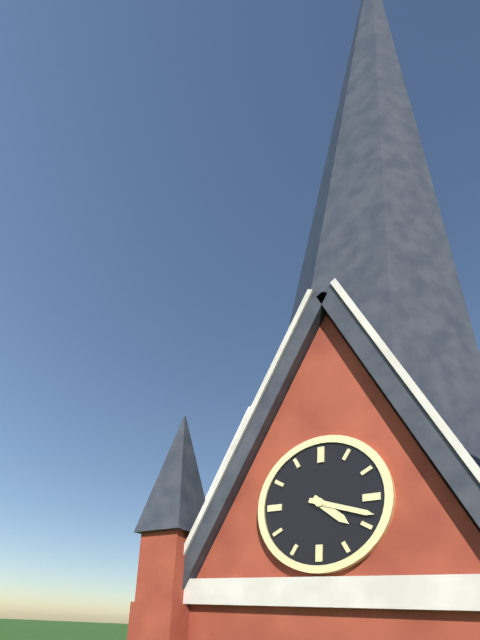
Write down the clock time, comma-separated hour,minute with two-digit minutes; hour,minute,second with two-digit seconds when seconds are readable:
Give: 4,18
